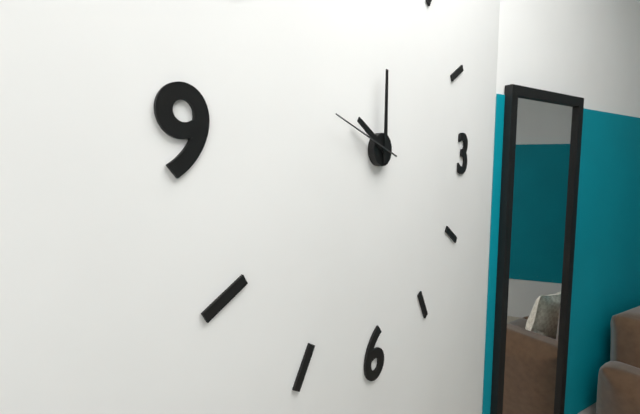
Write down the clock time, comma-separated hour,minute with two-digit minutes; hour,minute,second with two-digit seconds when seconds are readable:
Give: 10,00,48
